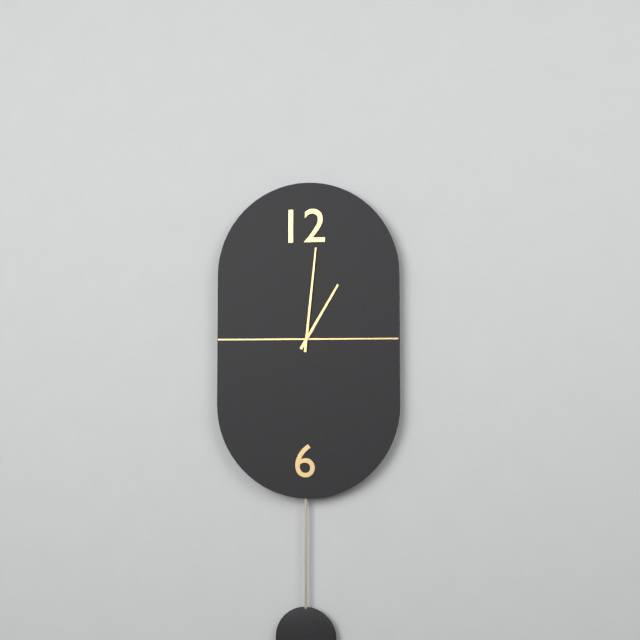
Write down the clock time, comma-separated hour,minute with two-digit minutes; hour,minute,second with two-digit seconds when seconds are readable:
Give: 1,01
